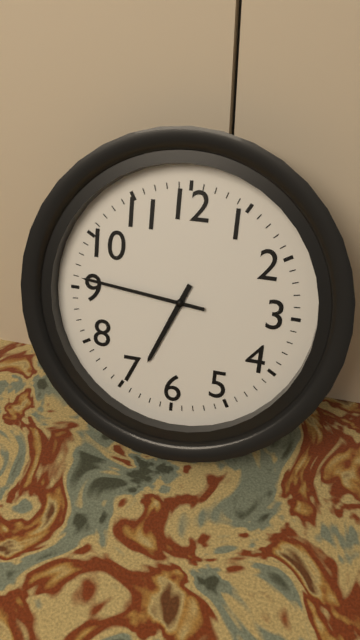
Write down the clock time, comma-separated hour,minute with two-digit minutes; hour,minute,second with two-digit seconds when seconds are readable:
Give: 6,46
